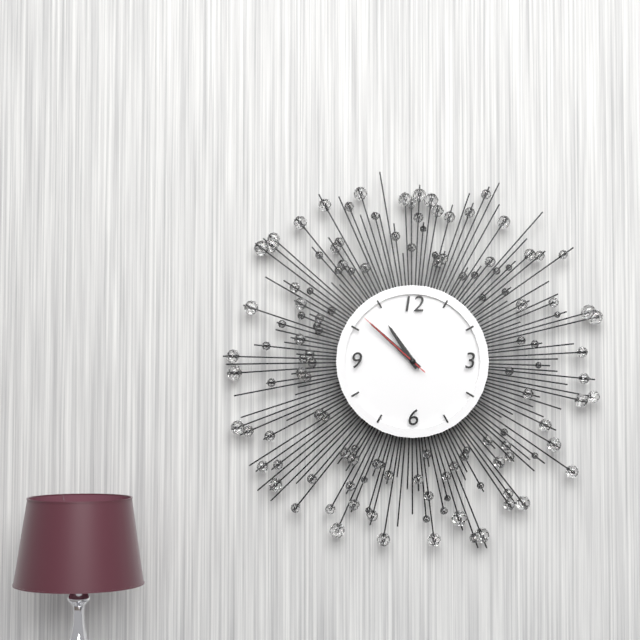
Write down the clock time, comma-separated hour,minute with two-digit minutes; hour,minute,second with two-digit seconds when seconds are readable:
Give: 10,52,52
